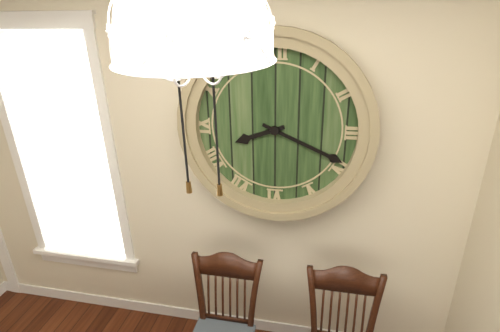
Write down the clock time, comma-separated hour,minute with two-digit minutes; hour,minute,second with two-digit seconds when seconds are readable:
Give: 8,19
